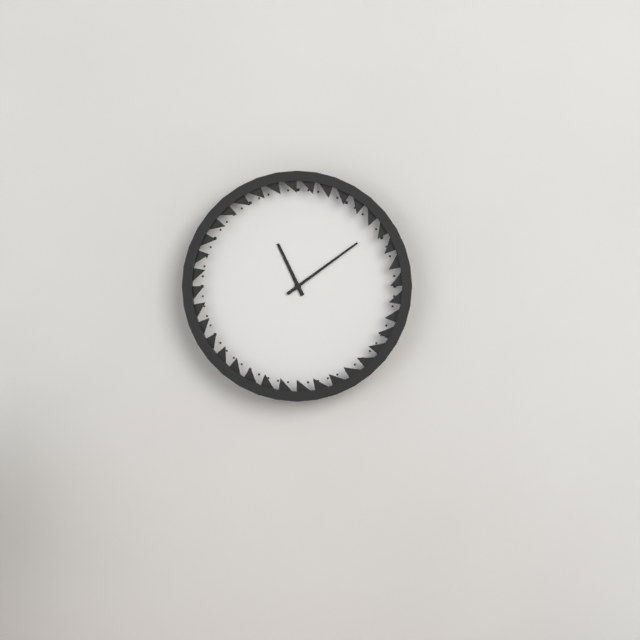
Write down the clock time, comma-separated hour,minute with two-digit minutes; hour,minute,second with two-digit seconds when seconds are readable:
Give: 11,09
